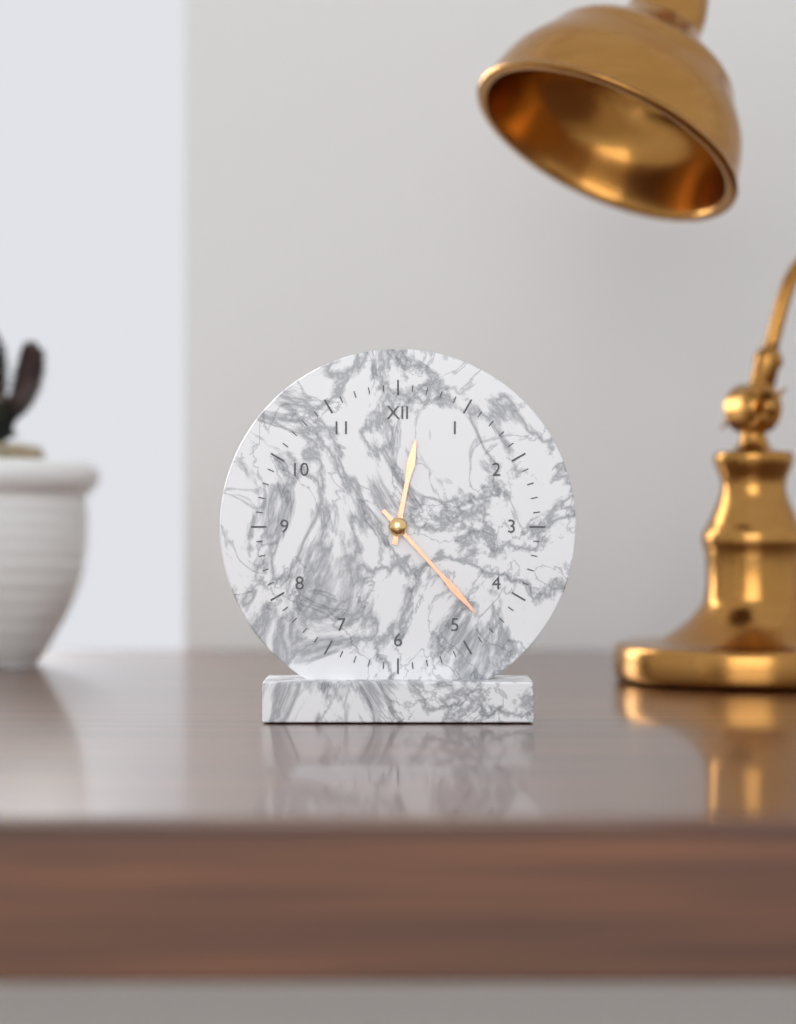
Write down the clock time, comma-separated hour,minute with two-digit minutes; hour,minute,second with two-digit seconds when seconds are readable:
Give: 12,23
